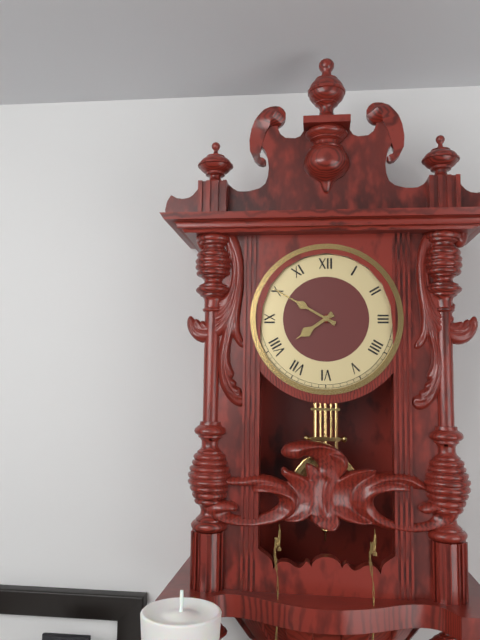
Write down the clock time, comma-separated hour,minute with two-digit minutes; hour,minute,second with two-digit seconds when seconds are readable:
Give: 7,50
